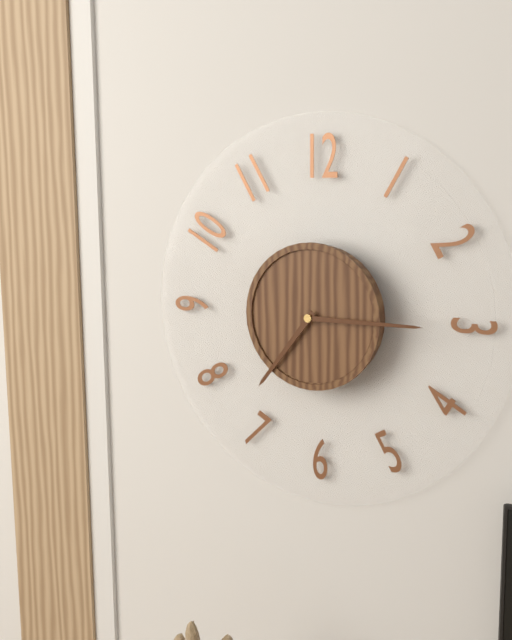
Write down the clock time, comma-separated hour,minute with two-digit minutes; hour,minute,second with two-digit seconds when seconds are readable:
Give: 7,15
